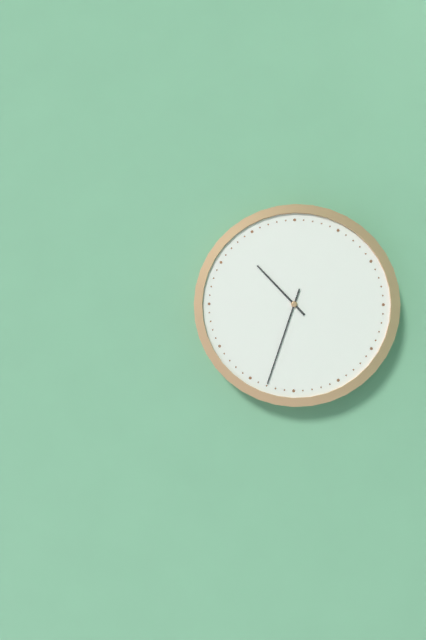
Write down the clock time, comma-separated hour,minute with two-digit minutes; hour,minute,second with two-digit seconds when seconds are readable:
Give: 10,33
